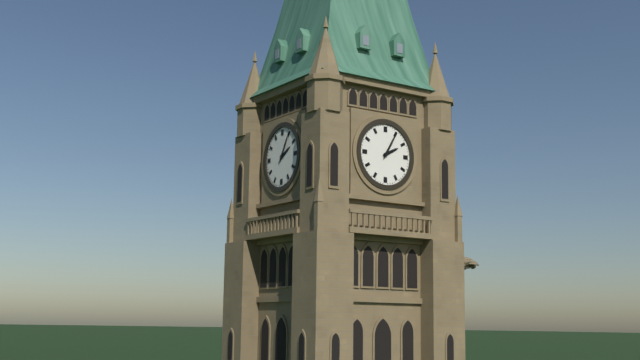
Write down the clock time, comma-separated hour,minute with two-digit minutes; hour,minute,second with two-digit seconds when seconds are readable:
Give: 2,05
